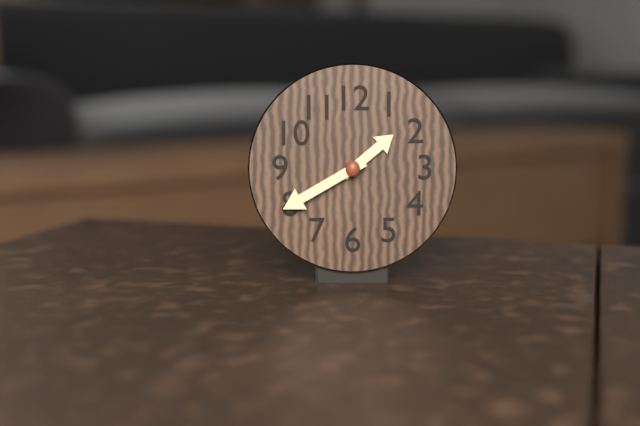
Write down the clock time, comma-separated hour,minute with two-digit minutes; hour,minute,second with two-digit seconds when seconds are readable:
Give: 1,40
